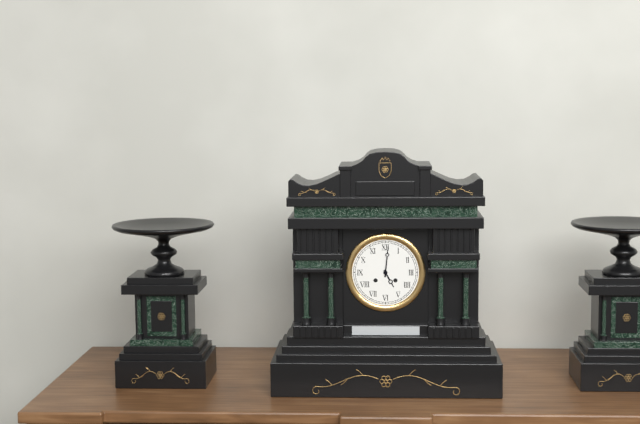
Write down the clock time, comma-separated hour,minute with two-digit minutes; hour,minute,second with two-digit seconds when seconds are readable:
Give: 5,01
